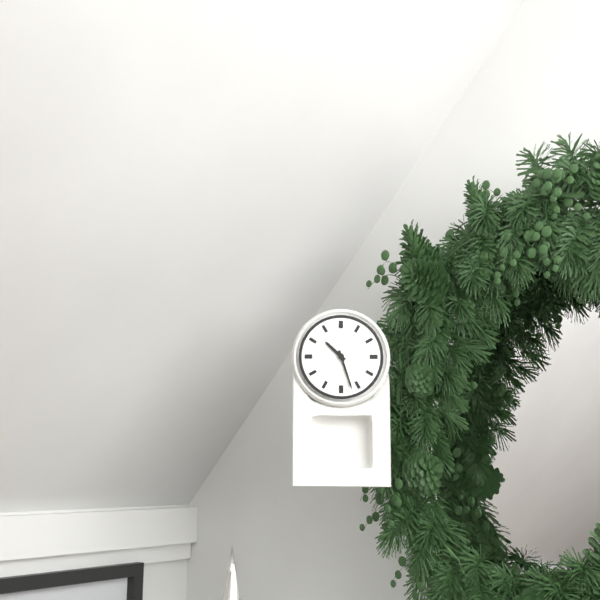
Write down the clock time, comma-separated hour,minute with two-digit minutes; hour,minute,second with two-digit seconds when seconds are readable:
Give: 10,27
